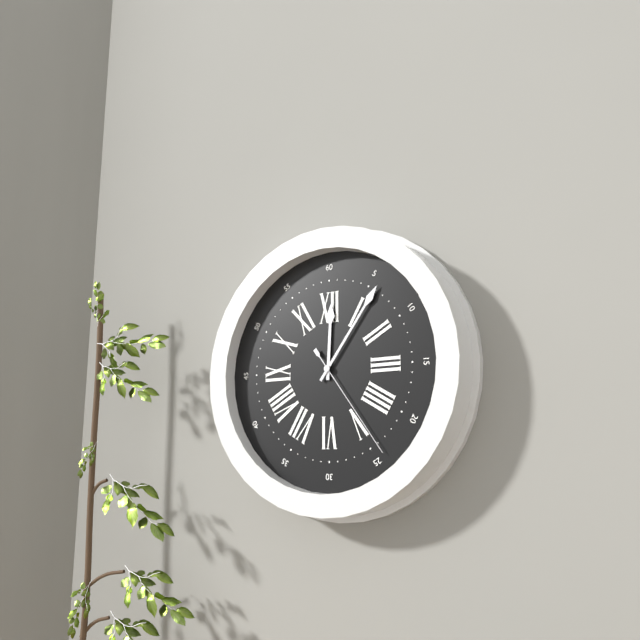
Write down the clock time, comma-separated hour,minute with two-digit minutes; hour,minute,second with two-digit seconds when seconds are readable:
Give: 12,06,24
